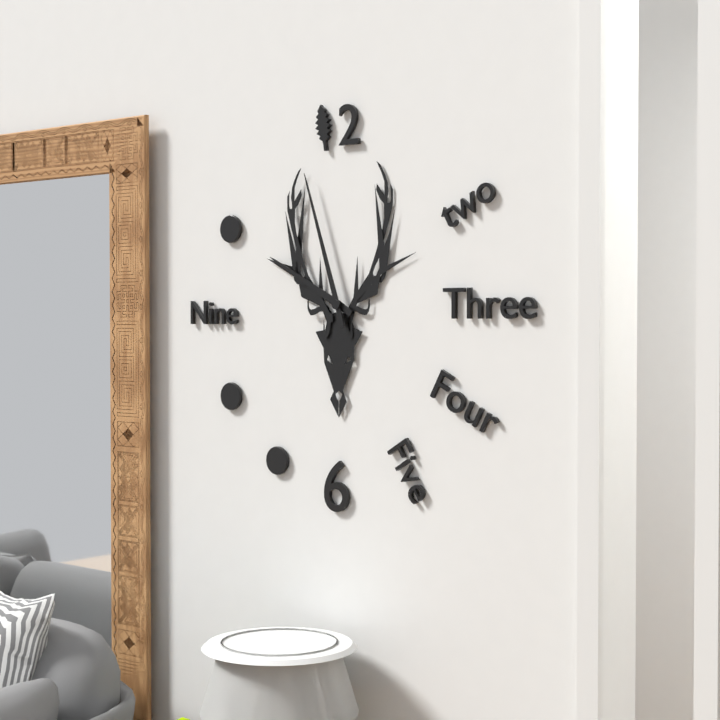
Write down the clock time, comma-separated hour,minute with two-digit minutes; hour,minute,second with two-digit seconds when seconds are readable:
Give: 9,57
